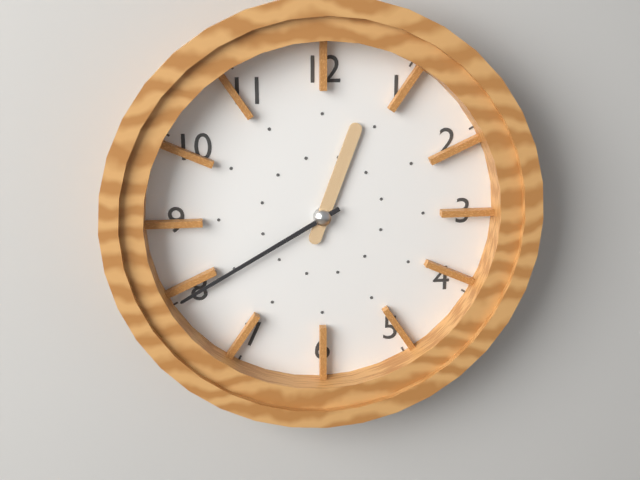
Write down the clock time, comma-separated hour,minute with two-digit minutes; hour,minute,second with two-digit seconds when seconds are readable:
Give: 12,40
